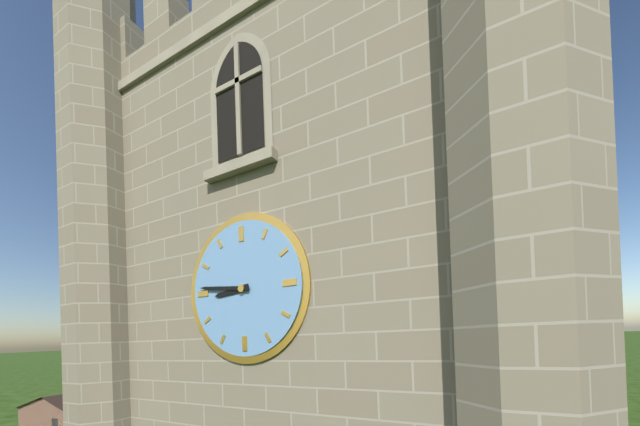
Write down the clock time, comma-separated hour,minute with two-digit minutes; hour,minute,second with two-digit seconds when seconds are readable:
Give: 8,46
